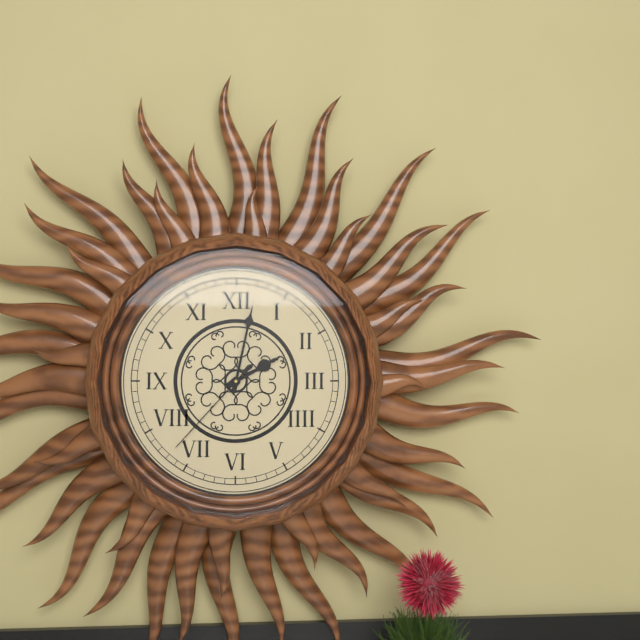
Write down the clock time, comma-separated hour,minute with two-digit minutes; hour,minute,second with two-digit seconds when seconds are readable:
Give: 2,02,37
